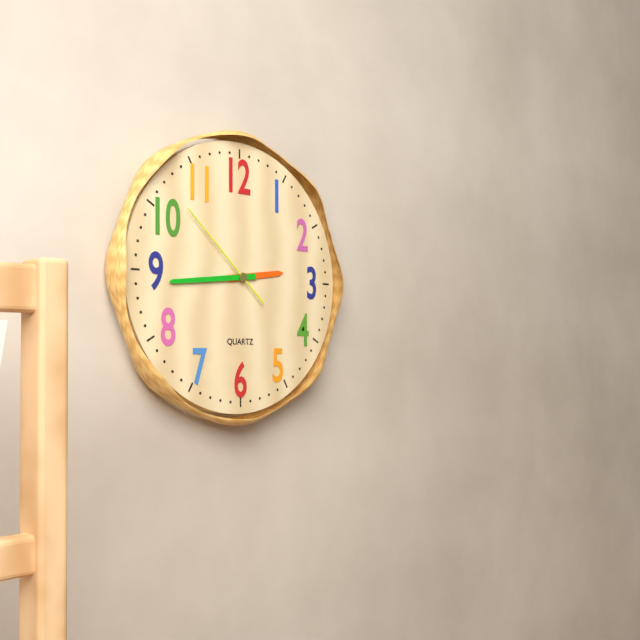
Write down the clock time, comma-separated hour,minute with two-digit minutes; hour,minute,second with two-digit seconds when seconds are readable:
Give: 2,44,52
